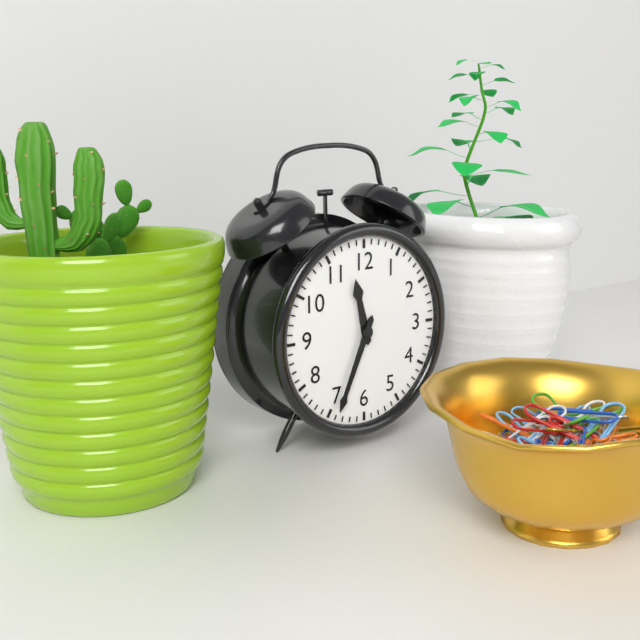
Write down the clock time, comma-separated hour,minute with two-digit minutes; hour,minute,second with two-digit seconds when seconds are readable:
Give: 11,34
